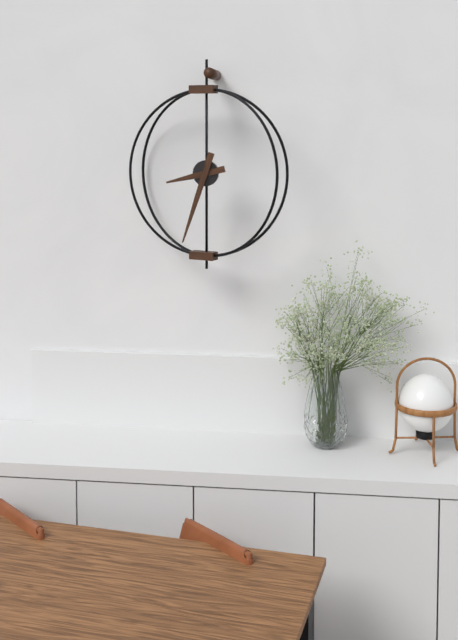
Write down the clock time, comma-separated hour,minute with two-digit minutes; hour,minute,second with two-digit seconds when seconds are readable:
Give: 8,33
